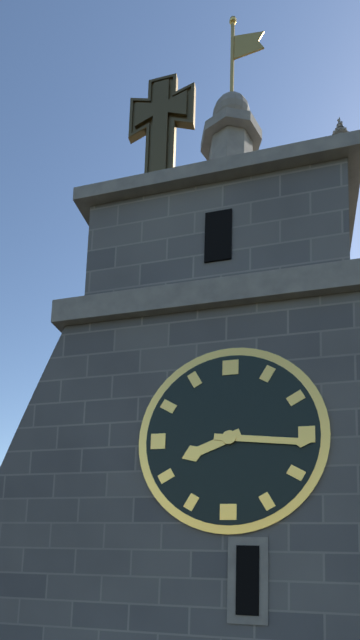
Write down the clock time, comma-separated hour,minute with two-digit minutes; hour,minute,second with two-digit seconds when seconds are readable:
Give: 8,16
